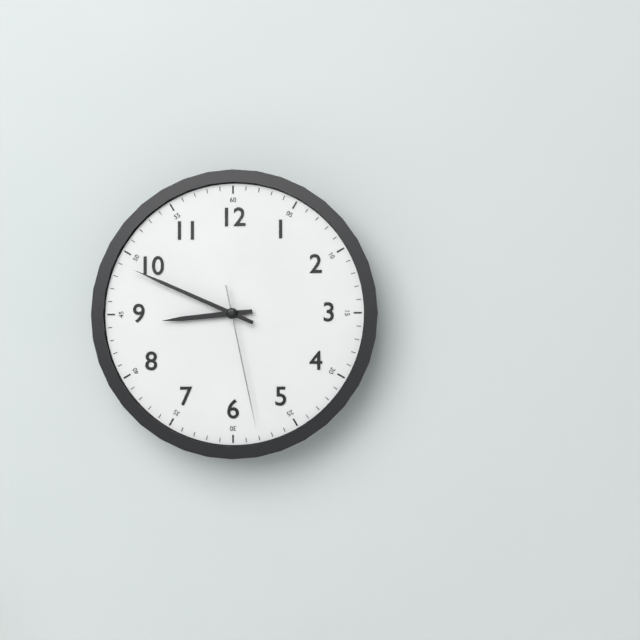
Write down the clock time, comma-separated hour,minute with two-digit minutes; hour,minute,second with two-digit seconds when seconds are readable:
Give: 8,49,28
